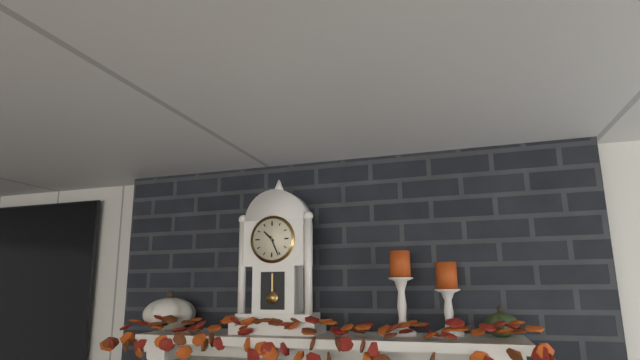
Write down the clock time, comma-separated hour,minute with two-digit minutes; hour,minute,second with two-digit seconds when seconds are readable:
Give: 10,26
